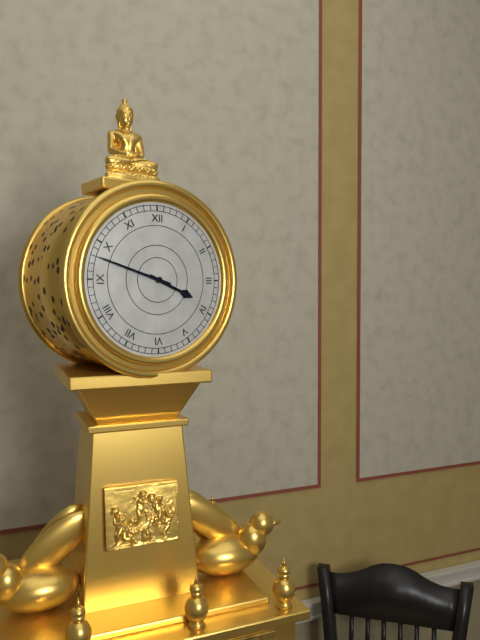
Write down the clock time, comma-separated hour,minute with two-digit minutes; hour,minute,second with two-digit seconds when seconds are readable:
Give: 3,48
